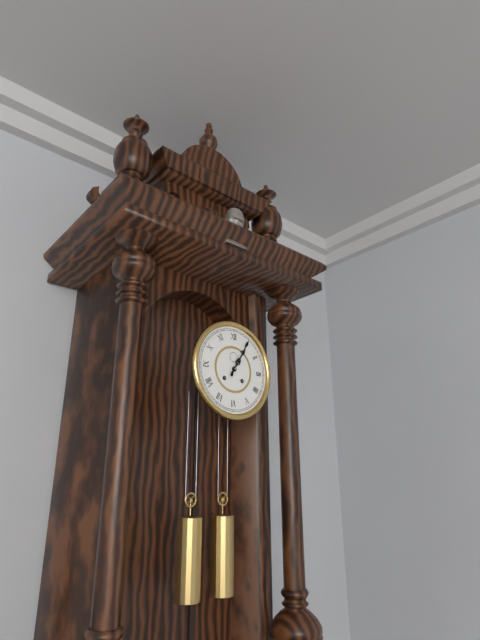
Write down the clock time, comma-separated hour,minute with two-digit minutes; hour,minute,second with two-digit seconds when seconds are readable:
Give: 1,05
